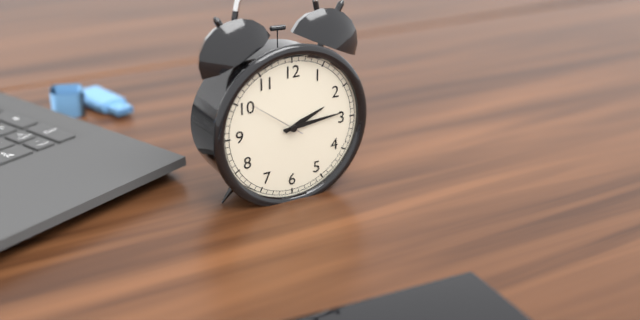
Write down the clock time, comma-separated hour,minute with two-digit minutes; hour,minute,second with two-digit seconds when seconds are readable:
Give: 2,14,51
